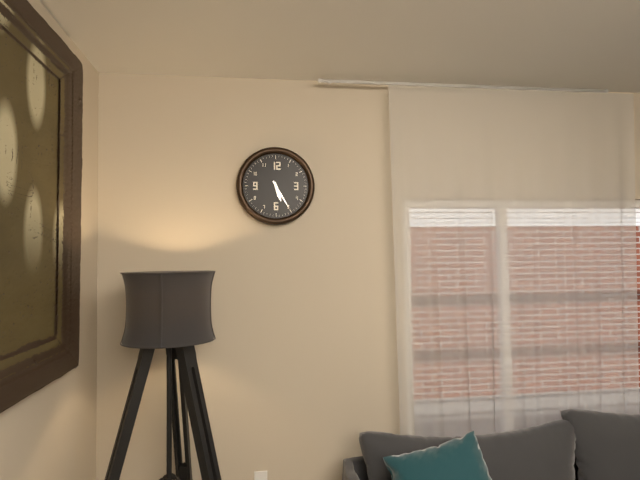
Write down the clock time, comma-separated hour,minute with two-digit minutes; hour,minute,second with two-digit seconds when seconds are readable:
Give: 5,25
